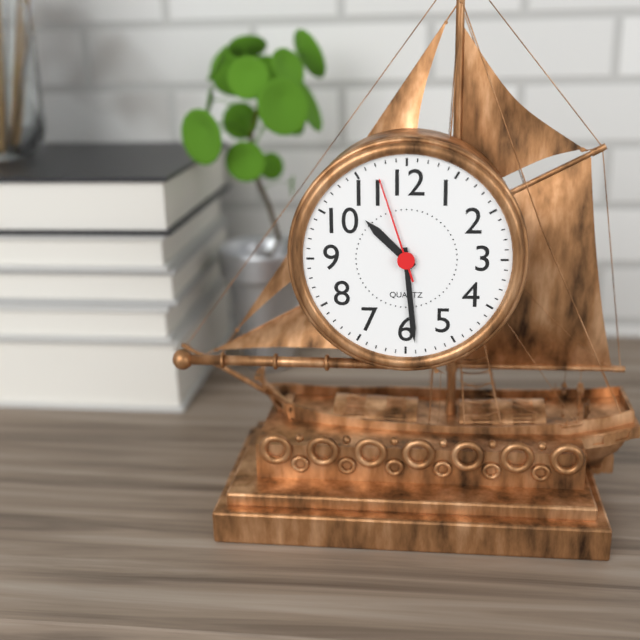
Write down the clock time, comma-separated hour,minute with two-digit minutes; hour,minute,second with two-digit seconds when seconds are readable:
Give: 10,29,57
